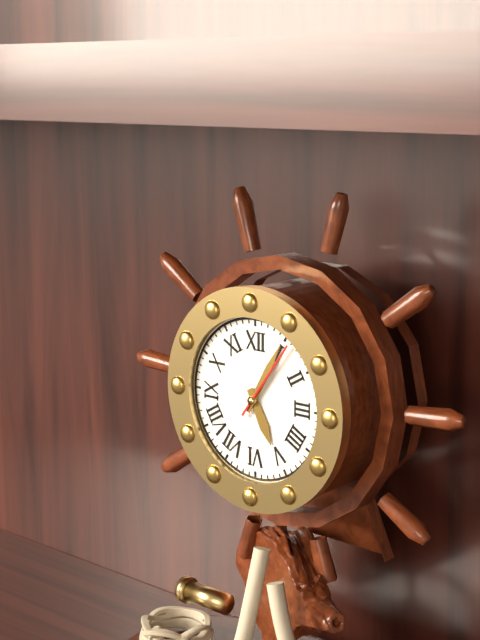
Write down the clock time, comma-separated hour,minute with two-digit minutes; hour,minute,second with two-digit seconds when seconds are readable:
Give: 5,05,06
